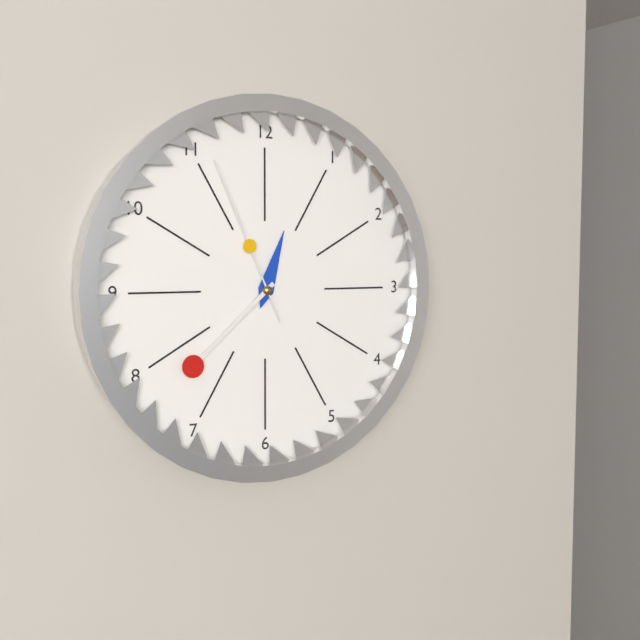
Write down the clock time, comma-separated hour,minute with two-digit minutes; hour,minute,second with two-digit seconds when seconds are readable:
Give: 12,38,56
